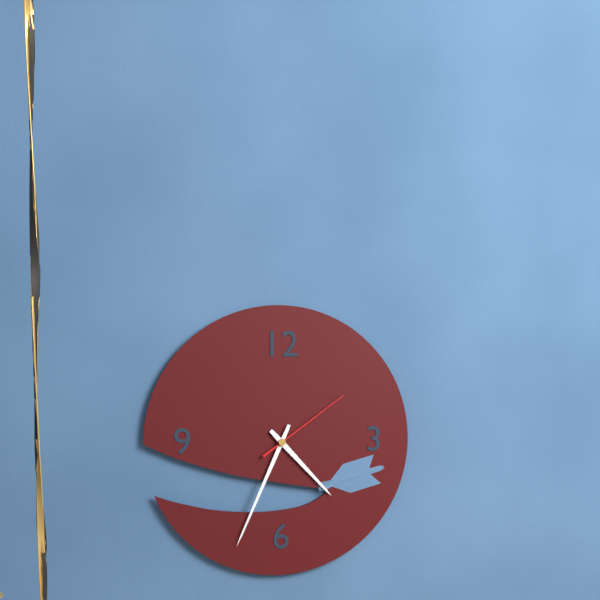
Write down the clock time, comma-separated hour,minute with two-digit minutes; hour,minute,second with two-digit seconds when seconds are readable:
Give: 4,34,09
